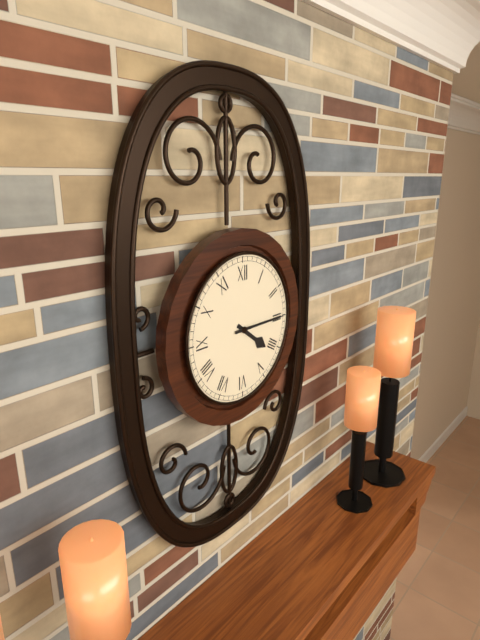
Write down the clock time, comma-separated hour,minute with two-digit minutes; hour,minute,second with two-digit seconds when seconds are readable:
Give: 4,15
